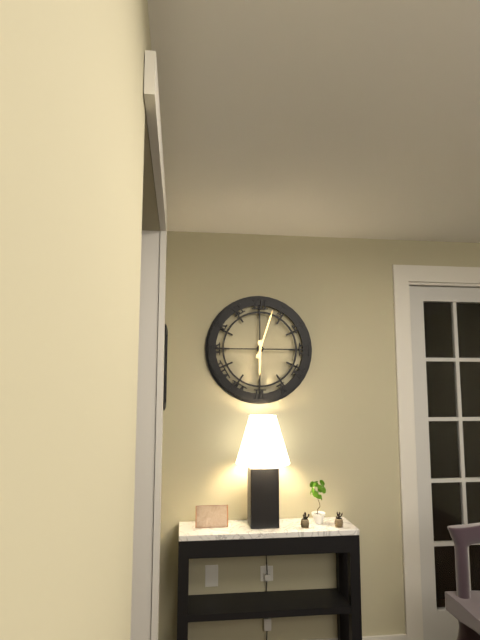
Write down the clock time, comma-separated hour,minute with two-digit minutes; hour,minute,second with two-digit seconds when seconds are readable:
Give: 6,03
